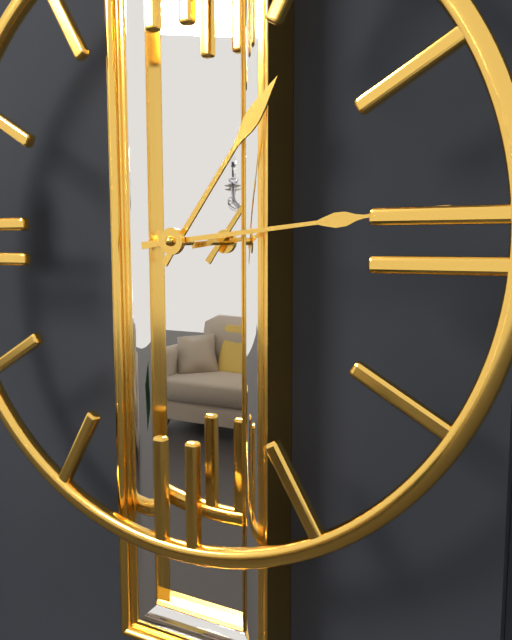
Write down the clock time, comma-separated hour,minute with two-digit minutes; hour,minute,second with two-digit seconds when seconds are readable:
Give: 1,14
